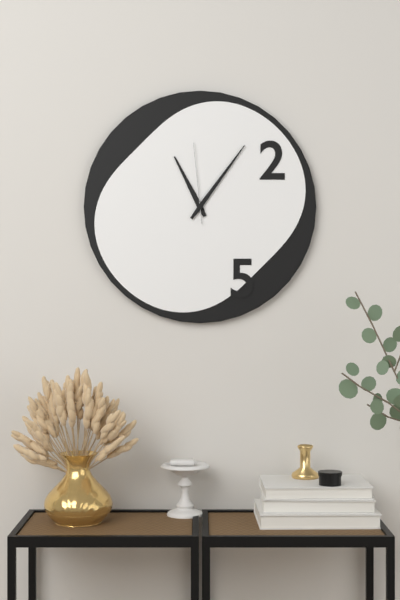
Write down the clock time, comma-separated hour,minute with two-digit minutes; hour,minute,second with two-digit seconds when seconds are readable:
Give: 11,06,59
